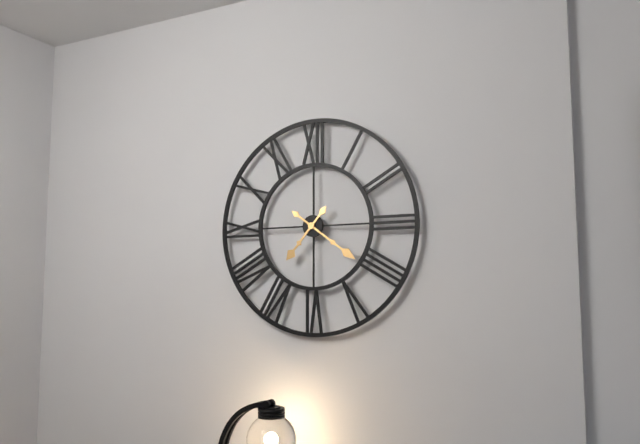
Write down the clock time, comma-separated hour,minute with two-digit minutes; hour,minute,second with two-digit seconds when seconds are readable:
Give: 7,21
